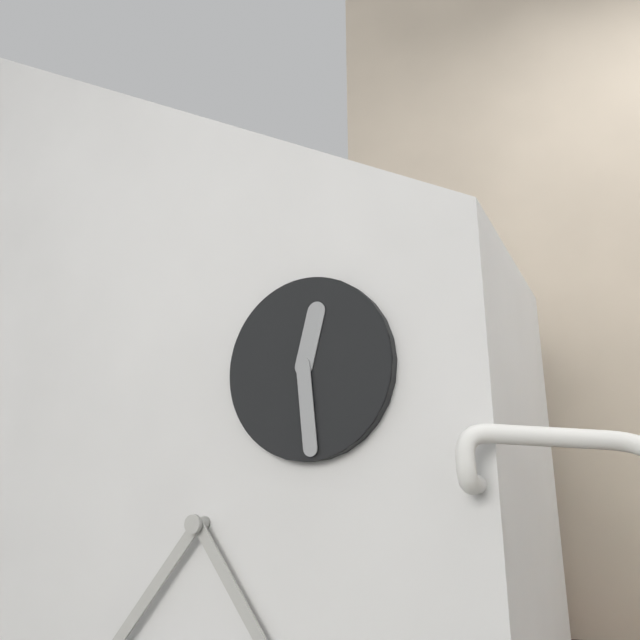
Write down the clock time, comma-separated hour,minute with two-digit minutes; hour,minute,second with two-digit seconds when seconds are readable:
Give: 12,29
